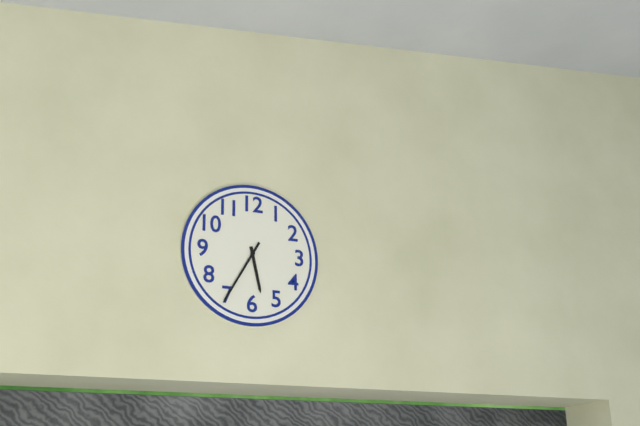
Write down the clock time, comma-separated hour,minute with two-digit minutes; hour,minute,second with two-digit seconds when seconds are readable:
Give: 5,35
